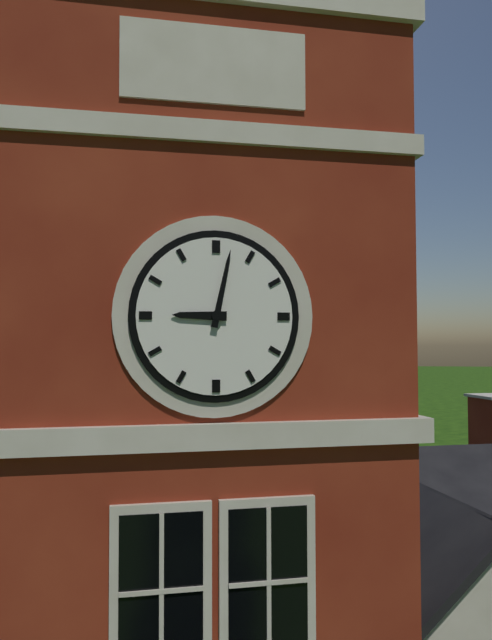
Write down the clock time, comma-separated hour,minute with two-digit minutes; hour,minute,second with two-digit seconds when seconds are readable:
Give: 9,02
